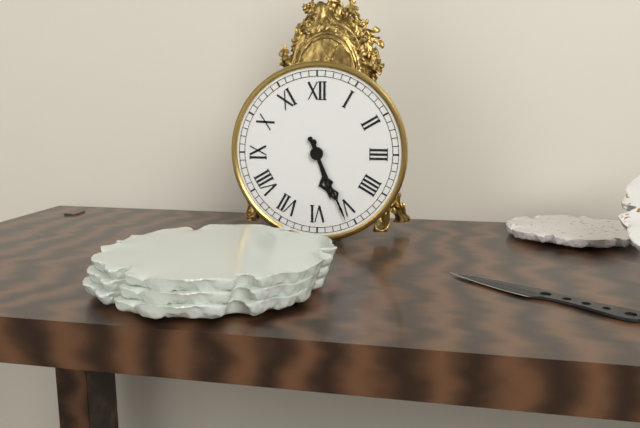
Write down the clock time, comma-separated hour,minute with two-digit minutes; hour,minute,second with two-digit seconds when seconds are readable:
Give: 5,26
